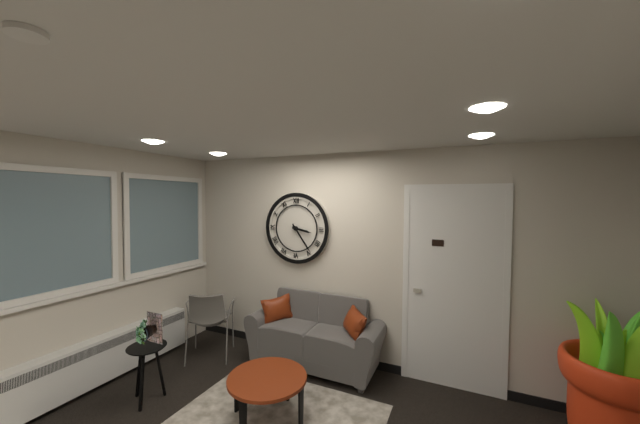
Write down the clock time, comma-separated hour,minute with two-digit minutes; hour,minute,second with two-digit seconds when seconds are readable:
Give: 3,24
